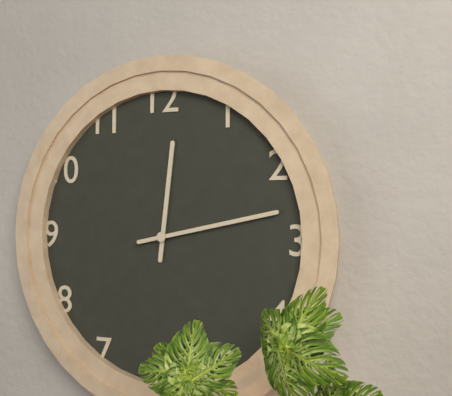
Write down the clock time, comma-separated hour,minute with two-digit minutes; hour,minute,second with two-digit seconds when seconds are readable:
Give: 12,13
